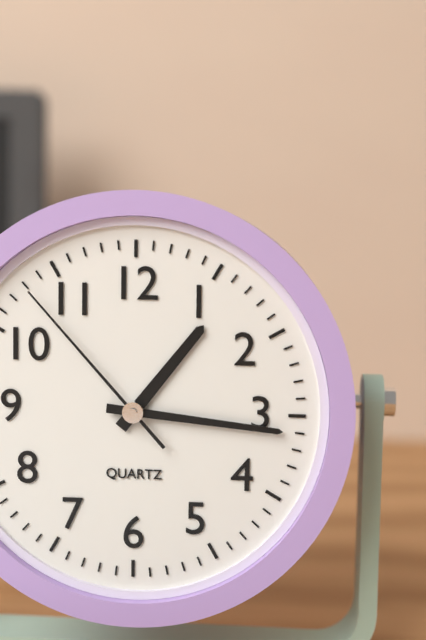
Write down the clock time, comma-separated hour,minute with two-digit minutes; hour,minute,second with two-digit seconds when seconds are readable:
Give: 1,16,53
